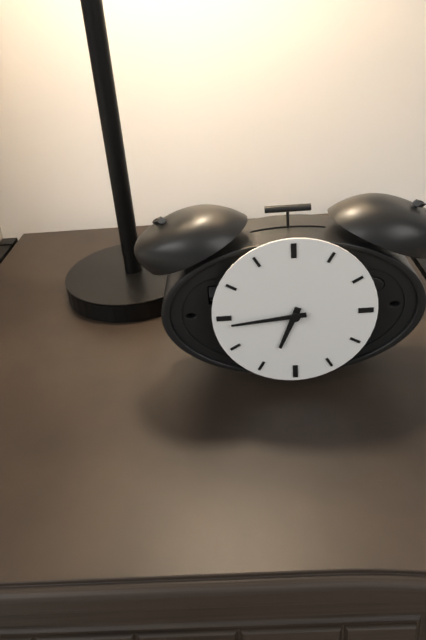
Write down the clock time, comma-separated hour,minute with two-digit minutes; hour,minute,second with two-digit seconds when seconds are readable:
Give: 6,44
